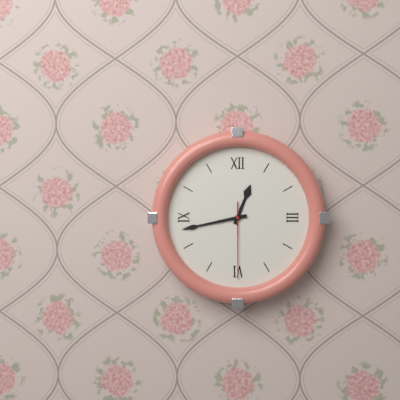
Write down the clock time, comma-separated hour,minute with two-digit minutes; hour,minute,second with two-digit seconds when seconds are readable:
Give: 12,43,30
